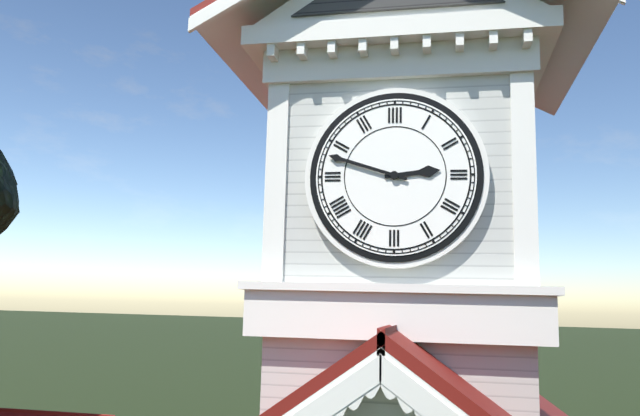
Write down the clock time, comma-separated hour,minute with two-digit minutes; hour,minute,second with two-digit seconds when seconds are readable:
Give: 2,48
